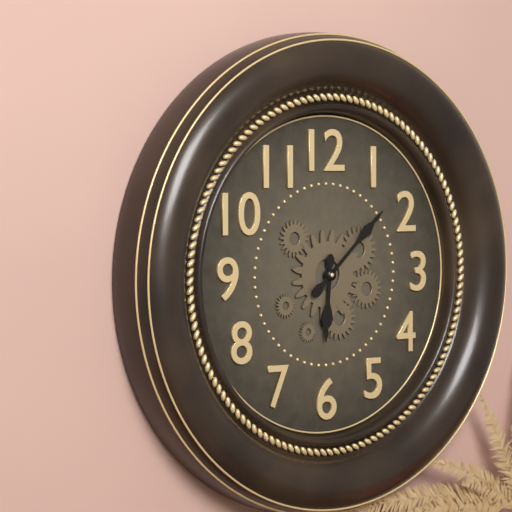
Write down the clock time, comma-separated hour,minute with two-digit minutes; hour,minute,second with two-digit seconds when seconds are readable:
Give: 6,08
